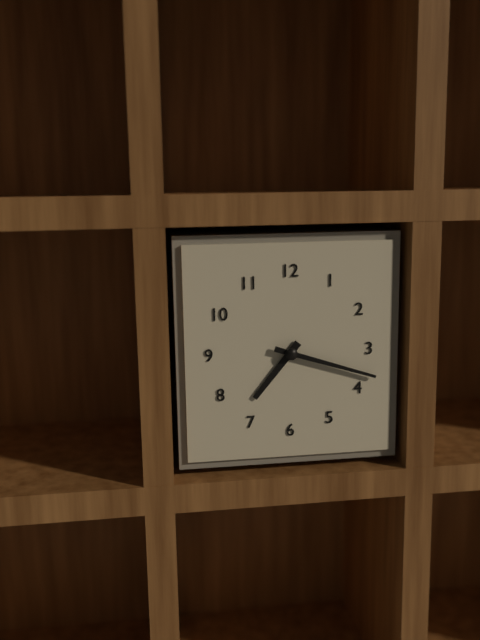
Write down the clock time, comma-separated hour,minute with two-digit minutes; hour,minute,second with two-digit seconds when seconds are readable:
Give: 7,18
